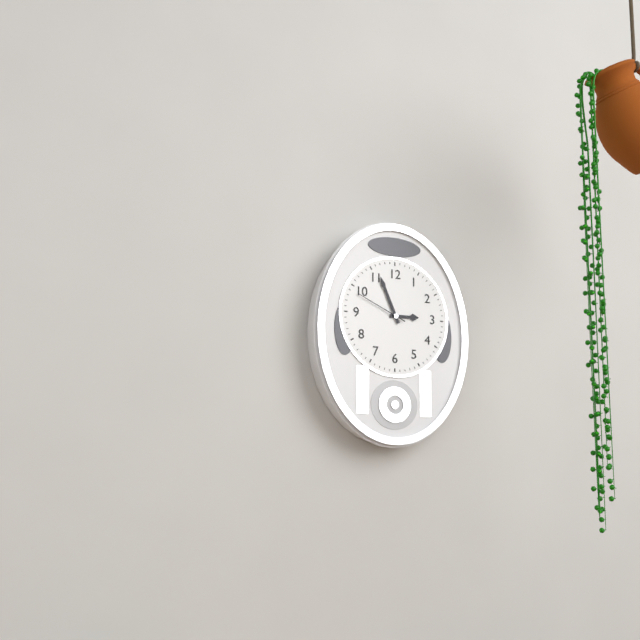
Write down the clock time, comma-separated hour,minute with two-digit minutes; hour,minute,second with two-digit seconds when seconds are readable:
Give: 2,56,49
